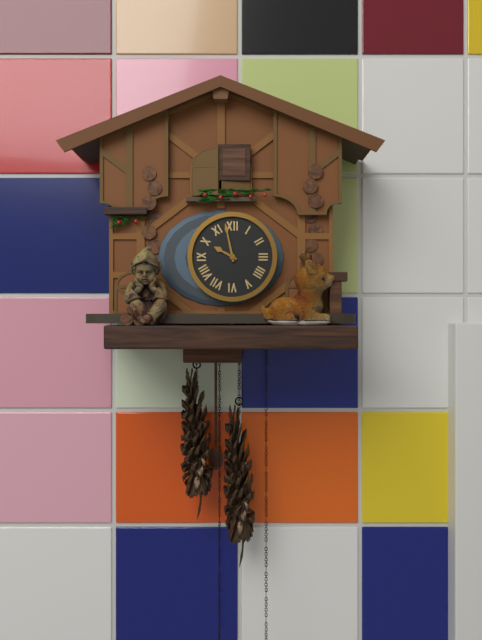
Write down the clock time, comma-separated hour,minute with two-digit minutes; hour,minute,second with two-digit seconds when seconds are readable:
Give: 9,58
